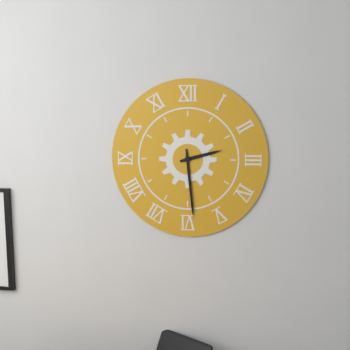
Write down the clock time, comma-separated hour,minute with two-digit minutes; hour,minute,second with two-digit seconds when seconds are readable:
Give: 2,29
